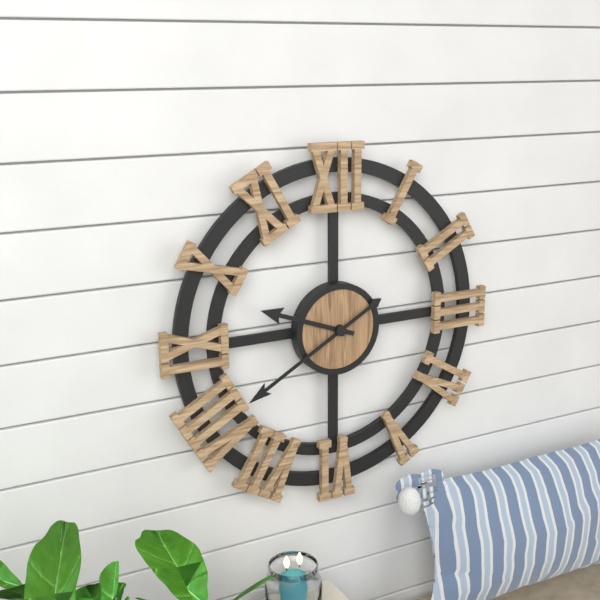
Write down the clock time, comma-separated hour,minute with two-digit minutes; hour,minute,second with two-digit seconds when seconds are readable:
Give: 9,40
